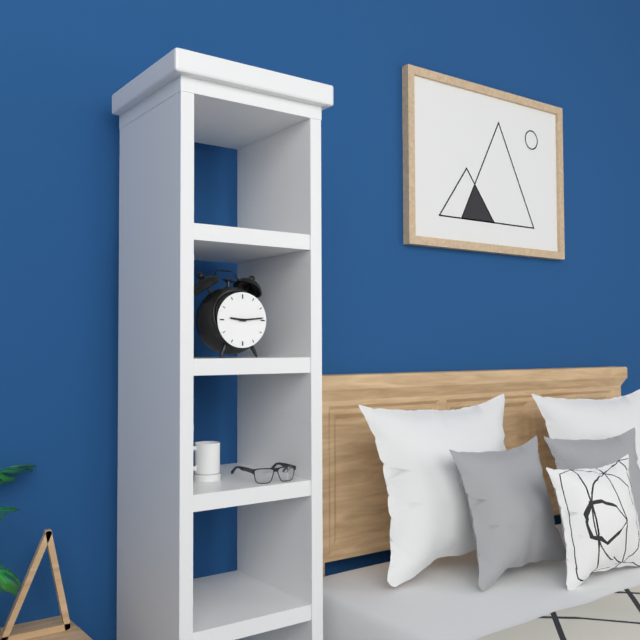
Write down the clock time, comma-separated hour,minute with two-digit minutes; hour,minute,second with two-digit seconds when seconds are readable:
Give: 9,14
